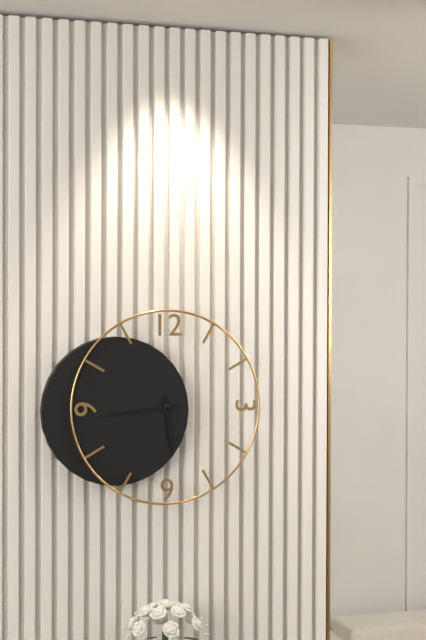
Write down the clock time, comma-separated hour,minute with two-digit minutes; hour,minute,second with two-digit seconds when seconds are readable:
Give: 5,44
